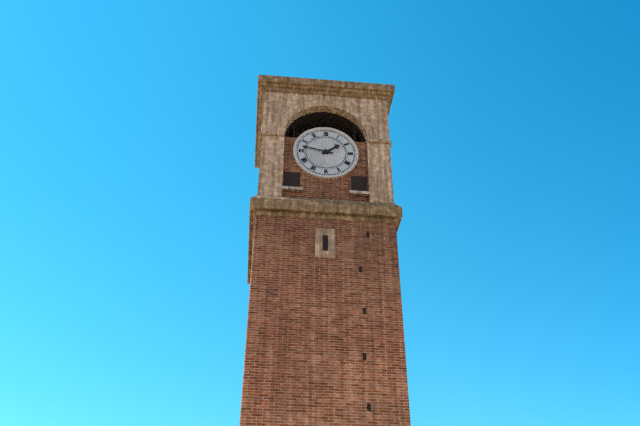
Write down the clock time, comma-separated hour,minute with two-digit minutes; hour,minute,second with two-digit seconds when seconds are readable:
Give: 1,47
